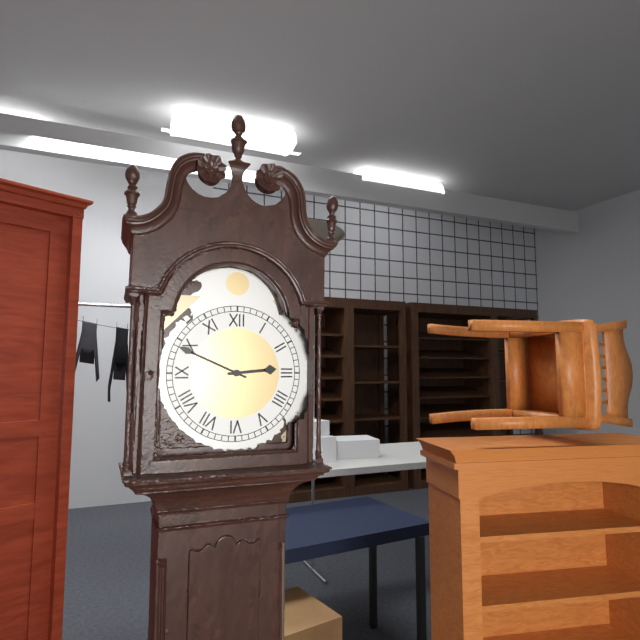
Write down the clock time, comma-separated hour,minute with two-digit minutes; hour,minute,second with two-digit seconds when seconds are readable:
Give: 2,49
